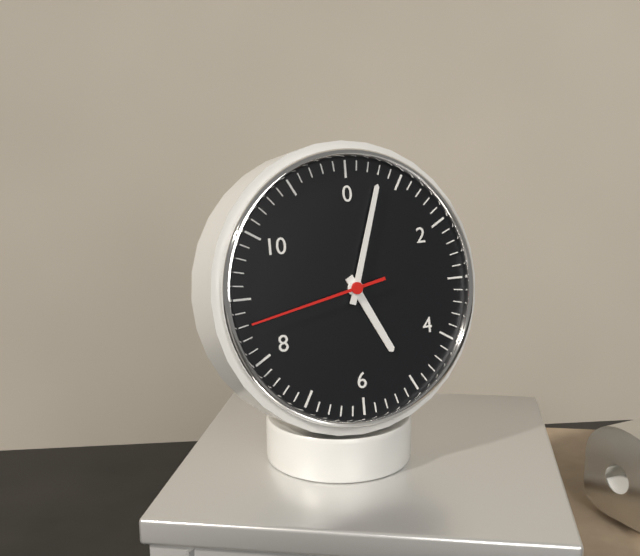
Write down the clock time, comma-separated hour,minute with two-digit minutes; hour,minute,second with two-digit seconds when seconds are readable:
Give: 5,03,43
